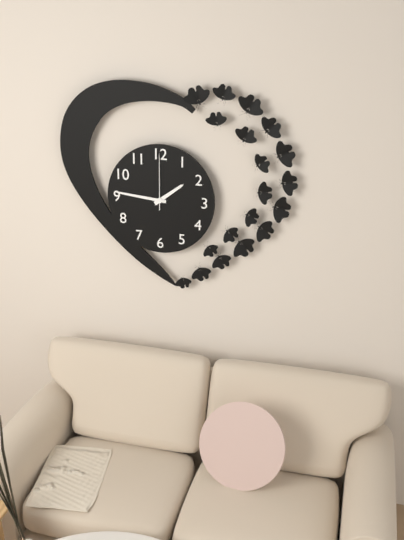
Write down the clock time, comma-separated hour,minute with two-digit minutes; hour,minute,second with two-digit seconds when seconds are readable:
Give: 1,46,00
